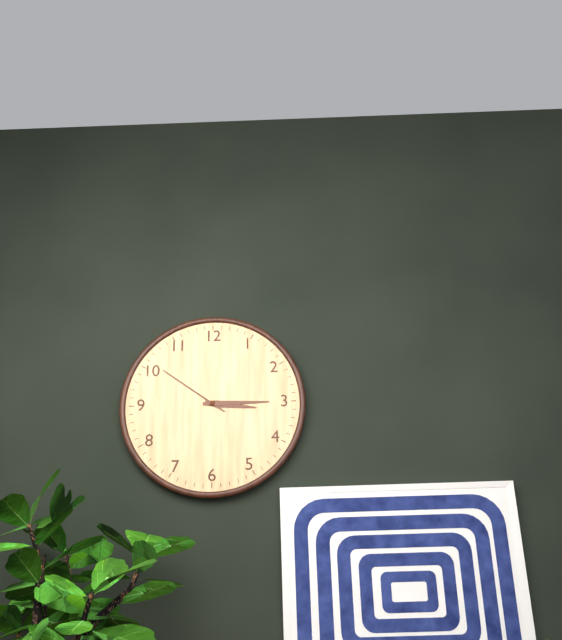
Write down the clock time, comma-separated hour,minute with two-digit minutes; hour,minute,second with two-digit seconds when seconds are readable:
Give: 3,15,51
